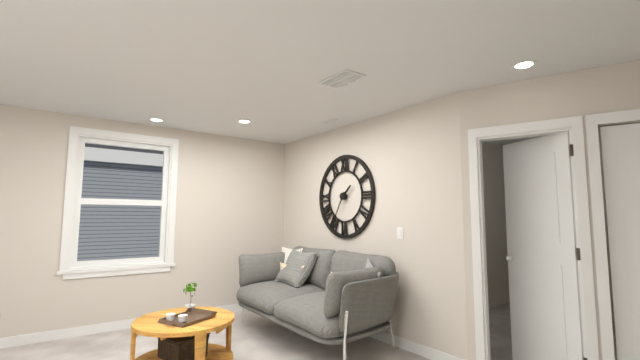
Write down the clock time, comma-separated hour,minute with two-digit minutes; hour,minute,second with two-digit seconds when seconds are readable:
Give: 1,35
